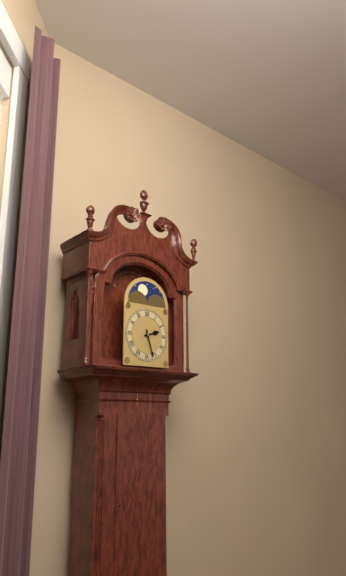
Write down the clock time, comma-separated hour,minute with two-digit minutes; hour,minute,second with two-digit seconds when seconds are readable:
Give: 2,27
